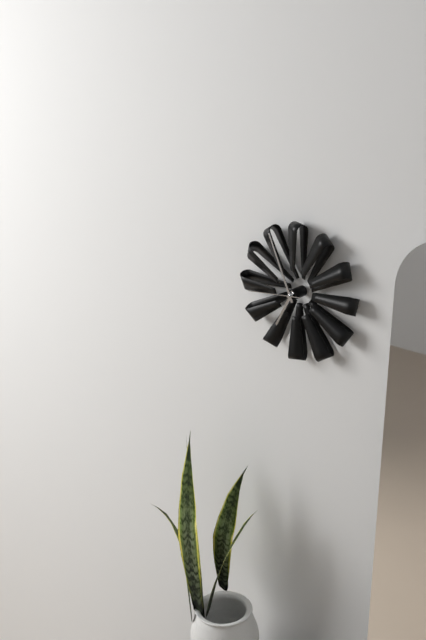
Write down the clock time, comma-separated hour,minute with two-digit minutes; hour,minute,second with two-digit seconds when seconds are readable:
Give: 6,56,44
